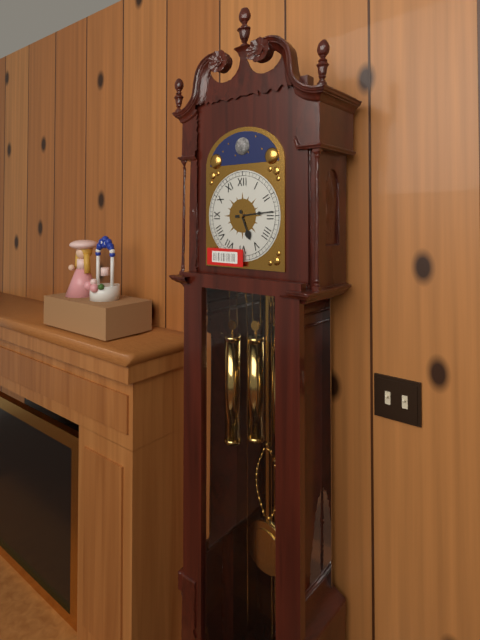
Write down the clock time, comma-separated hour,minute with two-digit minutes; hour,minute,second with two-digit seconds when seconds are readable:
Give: 5,14
